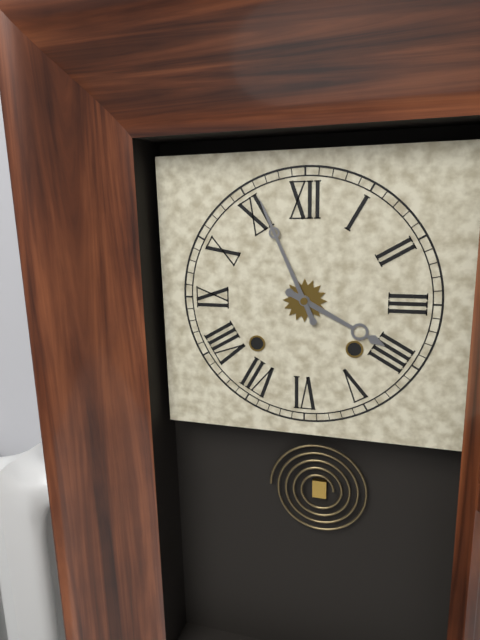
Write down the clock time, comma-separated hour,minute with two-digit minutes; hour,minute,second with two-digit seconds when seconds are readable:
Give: 3,56
